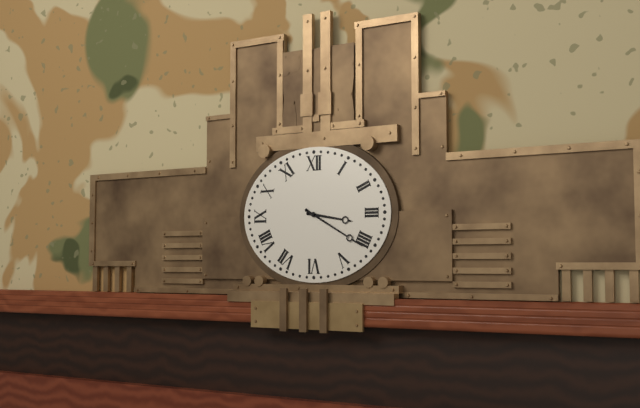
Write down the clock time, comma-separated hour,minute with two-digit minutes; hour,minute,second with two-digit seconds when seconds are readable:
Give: 3,20
